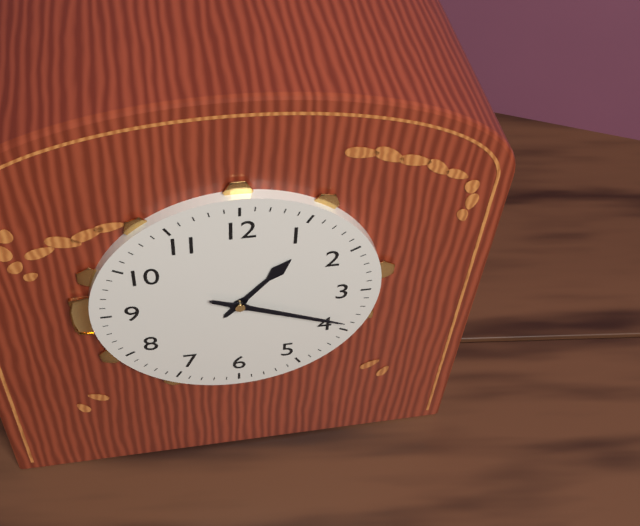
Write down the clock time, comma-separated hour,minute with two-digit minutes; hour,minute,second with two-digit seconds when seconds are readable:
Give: 1,19
